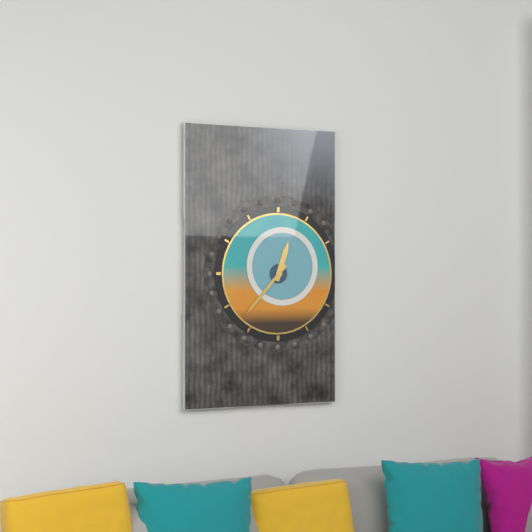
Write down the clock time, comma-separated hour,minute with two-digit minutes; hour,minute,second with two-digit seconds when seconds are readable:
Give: 12,37
